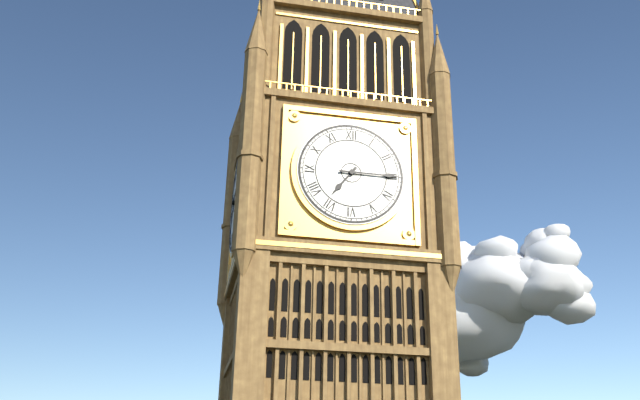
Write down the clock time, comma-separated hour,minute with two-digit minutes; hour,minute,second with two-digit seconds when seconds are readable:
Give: 7,15
